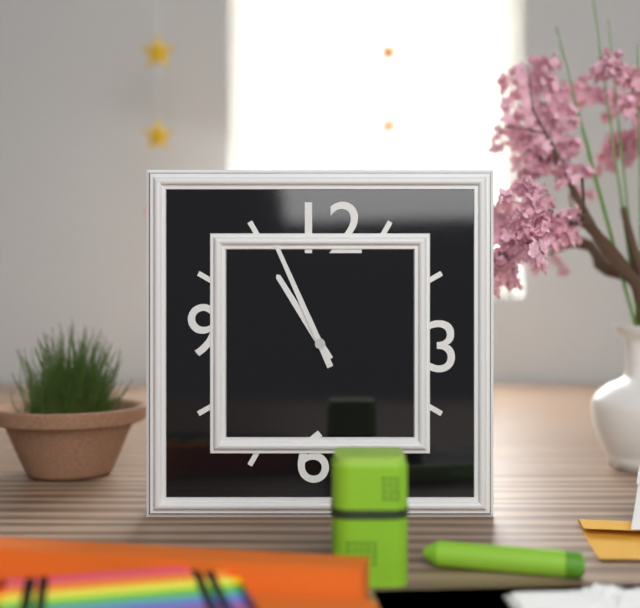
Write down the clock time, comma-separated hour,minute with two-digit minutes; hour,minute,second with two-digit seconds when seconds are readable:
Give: 10,56
